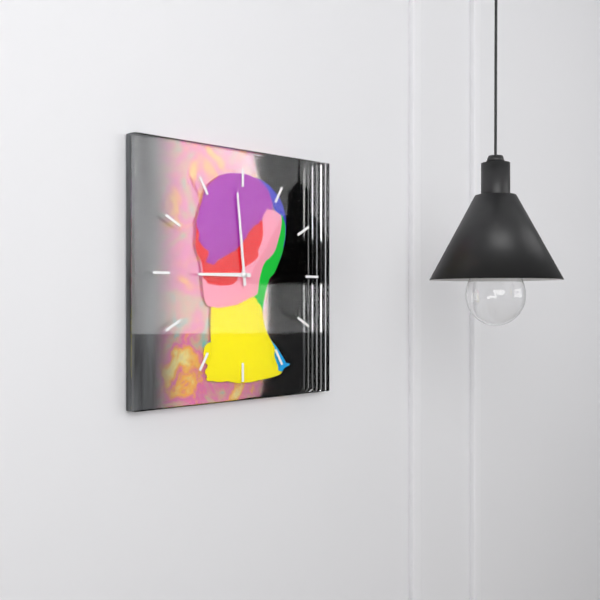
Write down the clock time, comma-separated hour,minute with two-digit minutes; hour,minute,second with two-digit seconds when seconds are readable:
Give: 8,59
